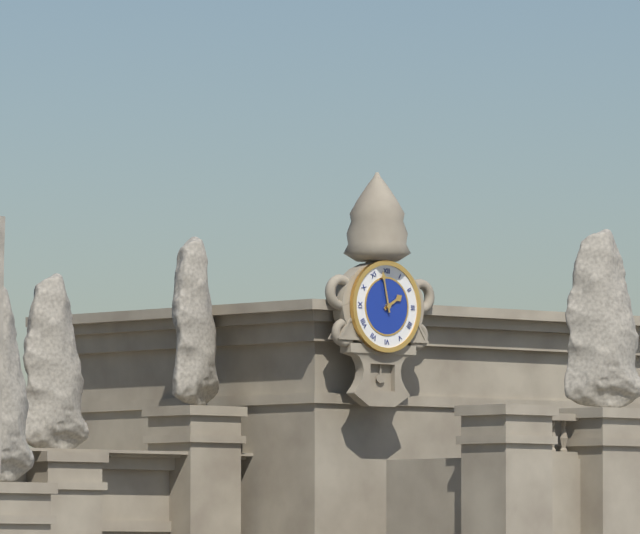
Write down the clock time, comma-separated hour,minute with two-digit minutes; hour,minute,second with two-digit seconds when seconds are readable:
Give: 1,58
